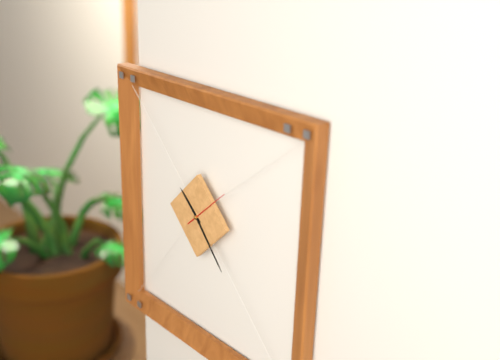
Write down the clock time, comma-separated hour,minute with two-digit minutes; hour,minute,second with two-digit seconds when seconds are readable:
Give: 10,23
